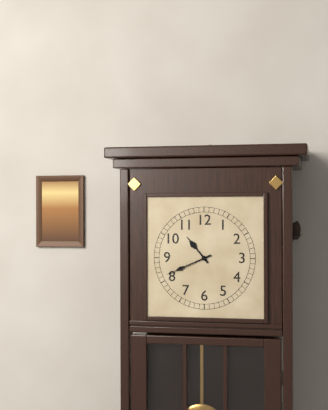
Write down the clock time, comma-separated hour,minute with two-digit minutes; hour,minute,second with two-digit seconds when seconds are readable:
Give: 10,41
